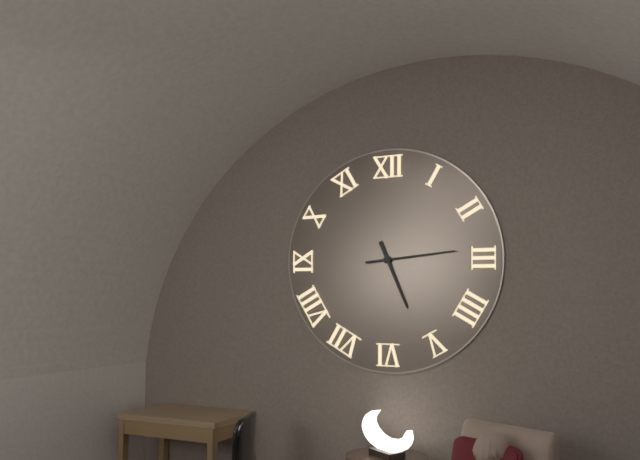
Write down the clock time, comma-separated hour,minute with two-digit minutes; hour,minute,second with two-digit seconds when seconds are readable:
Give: 5,14
